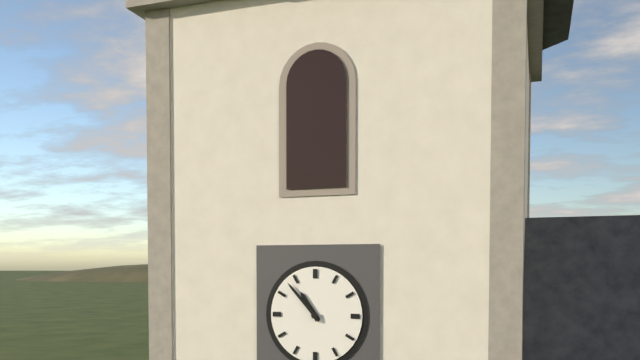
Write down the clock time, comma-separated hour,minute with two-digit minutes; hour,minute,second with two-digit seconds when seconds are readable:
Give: 10,53
